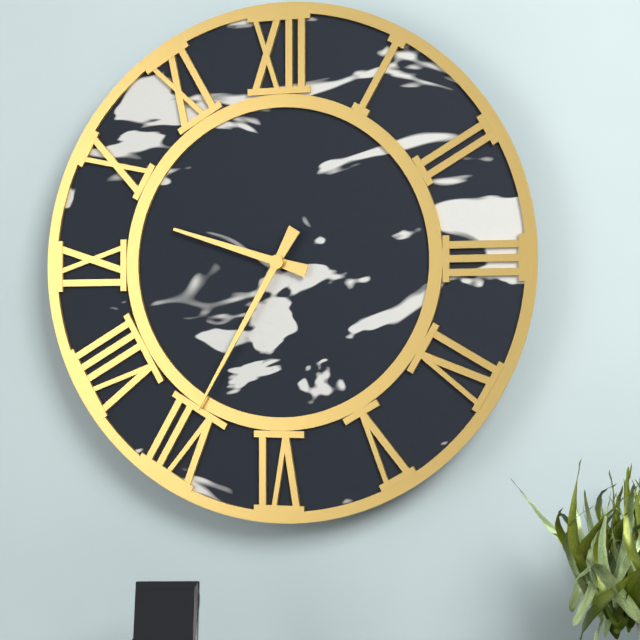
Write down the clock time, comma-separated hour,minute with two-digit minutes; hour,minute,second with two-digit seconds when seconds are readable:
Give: 9,35
